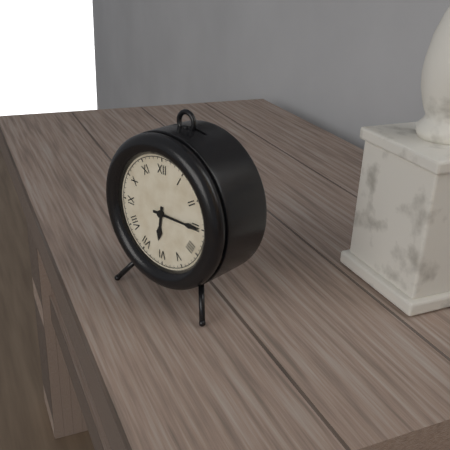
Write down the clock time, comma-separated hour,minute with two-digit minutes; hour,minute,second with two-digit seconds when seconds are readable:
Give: 6,15
